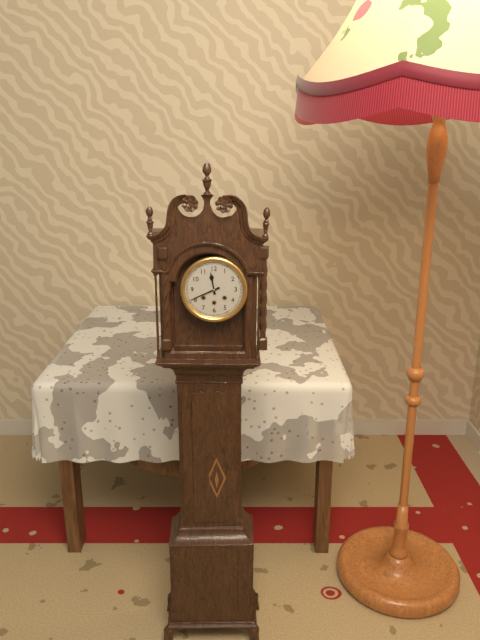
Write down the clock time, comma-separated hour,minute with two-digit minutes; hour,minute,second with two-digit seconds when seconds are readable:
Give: 11,41
